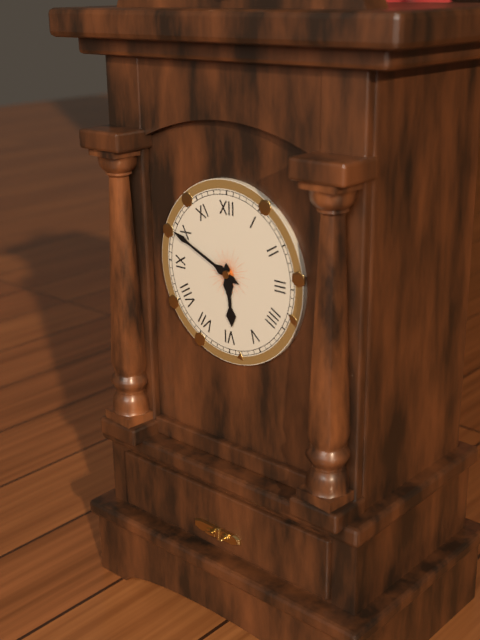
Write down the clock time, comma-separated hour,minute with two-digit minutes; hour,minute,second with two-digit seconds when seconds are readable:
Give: 5,49
